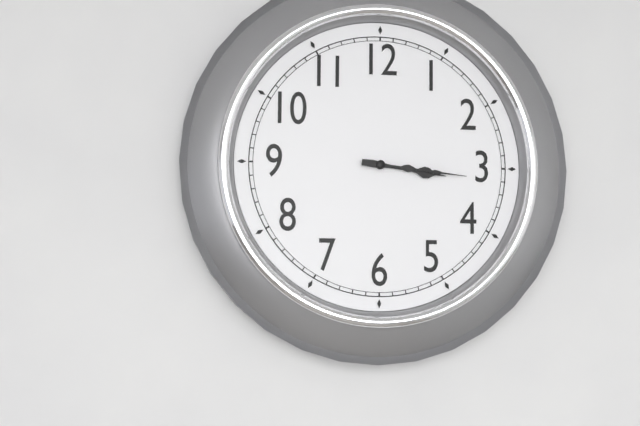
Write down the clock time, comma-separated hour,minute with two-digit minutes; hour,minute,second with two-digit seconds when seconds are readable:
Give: 3,16
